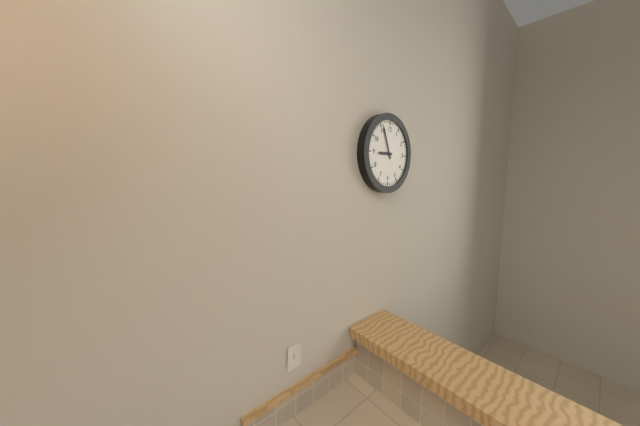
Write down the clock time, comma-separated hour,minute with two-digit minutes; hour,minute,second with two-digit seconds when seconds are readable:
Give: 8,56
